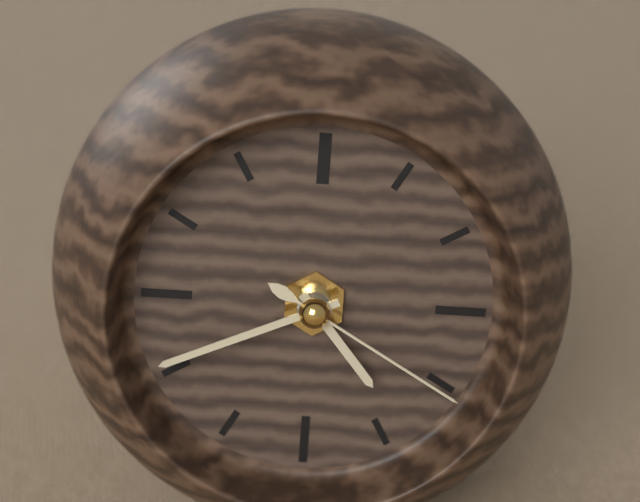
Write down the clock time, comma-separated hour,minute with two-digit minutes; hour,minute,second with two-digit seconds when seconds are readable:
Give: 4,41,20
